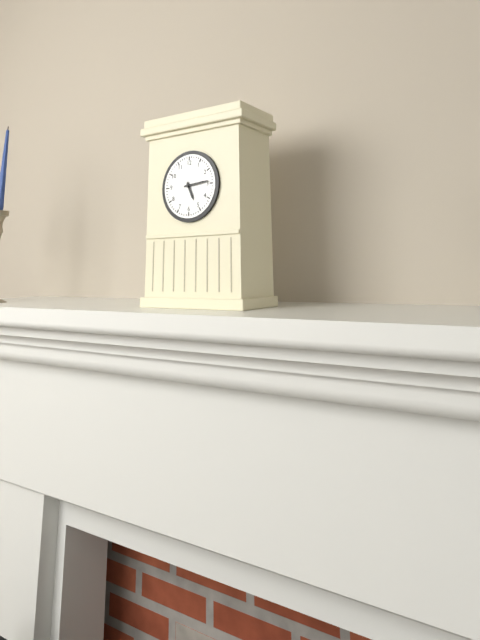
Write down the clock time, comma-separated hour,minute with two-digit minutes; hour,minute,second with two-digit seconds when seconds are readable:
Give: 5,14
